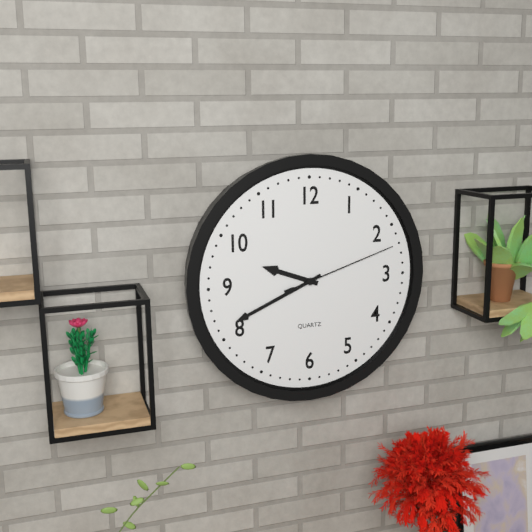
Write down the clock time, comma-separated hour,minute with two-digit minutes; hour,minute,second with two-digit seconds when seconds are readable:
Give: 9,41,12
